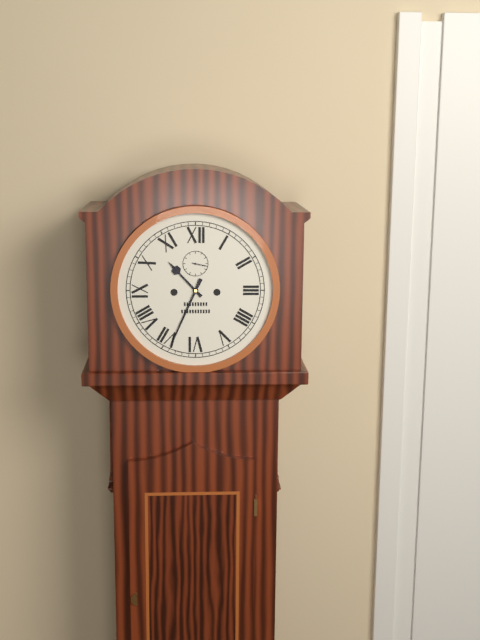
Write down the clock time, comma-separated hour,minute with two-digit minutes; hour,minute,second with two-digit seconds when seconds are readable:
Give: 10,34
